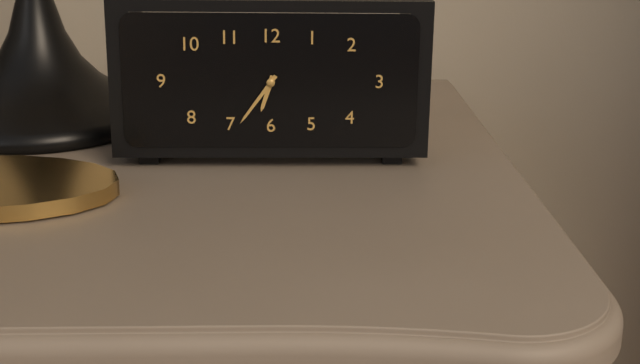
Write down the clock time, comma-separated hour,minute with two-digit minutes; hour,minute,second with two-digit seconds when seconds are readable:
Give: 6,36
